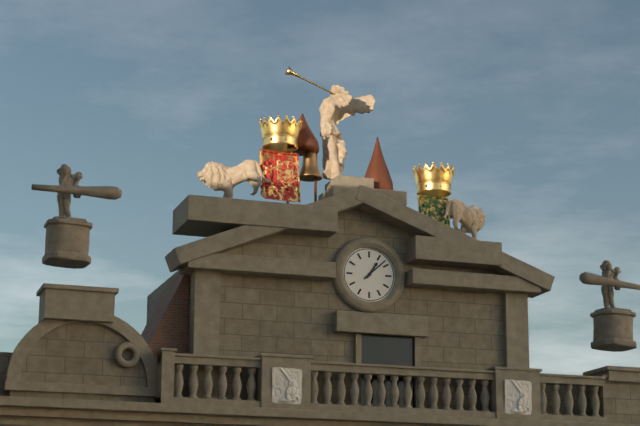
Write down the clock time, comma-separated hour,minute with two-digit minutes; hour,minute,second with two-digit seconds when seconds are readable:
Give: 1,08
